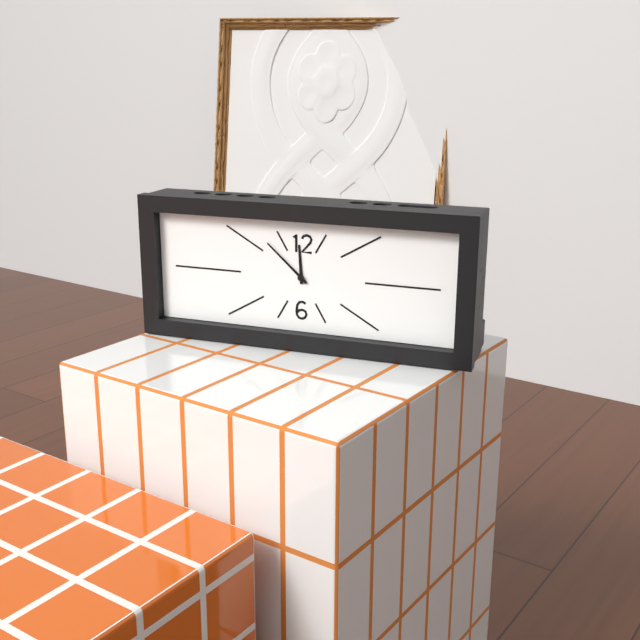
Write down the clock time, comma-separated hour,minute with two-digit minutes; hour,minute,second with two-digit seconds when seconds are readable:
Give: 11,52
